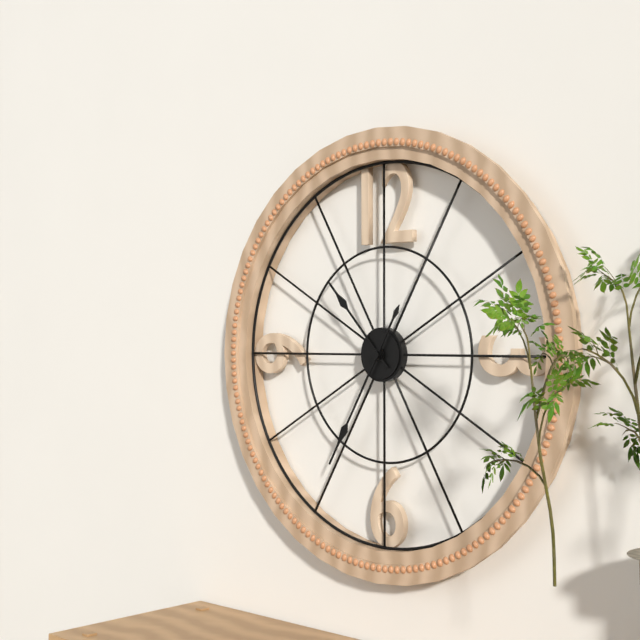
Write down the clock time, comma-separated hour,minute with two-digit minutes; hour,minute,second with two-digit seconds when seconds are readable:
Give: 10,35
